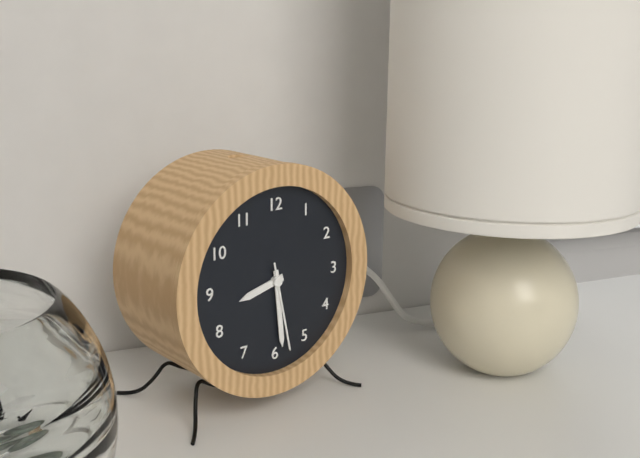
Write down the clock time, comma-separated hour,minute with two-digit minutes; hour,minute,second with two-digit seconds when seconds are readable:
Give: 8,29,28
